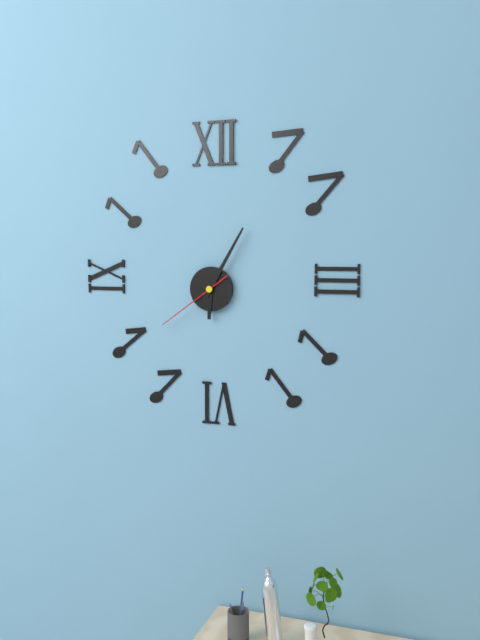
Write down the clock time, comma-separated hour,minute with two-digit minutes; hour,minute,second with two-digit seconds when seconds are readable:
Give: 6,05,39
